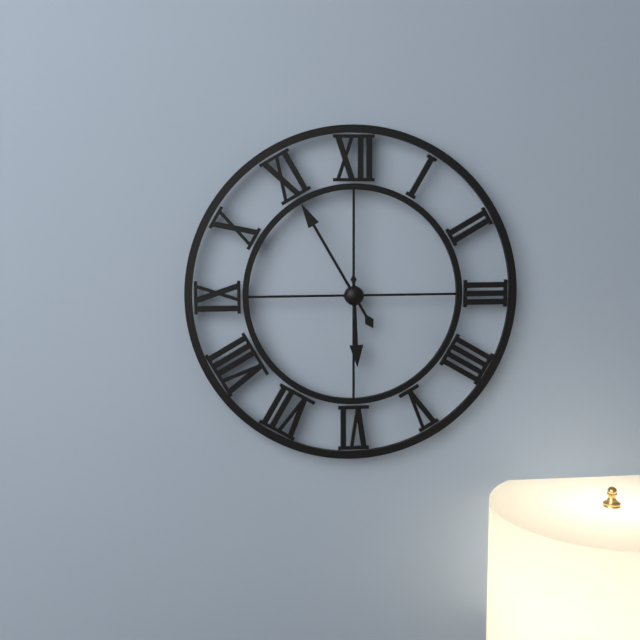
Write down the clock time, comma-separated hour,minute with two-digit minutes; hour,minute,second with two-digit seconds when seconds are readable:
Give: 5,55
